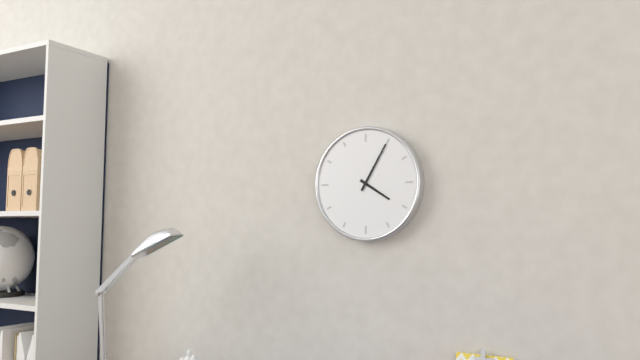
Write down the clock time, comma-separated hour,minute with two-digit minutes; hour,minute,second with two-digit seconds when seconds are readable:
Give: 4,05
